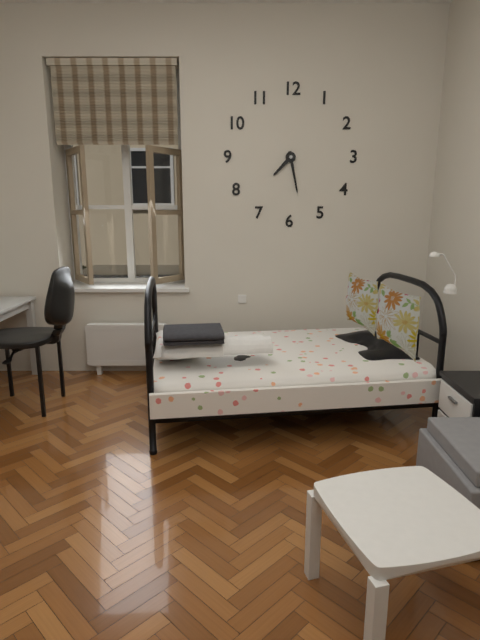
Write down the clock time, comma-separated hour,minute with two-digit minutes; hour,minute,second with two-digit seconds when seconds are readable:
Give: 7,28
